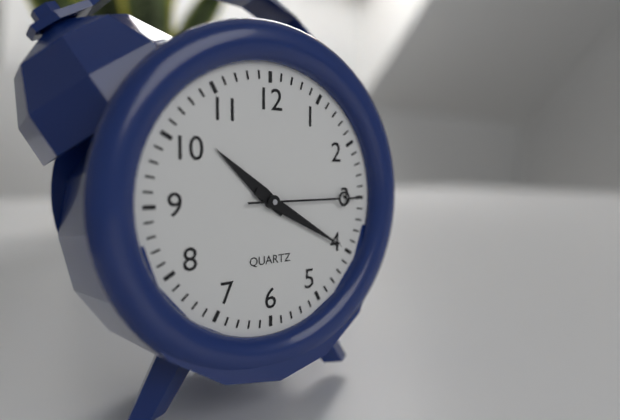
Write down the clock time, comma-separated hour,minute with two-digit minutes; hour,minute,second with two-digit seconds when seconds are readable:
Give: 10,20,15
